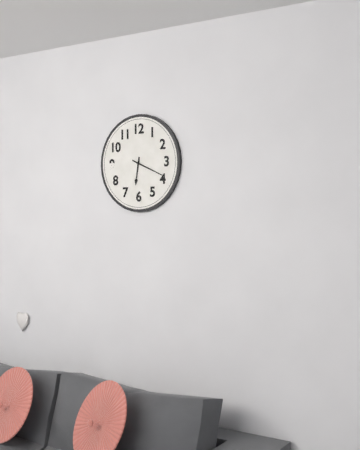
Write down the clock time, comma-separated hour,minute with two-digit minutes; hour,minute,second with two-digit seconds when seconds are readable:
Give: 6,19
